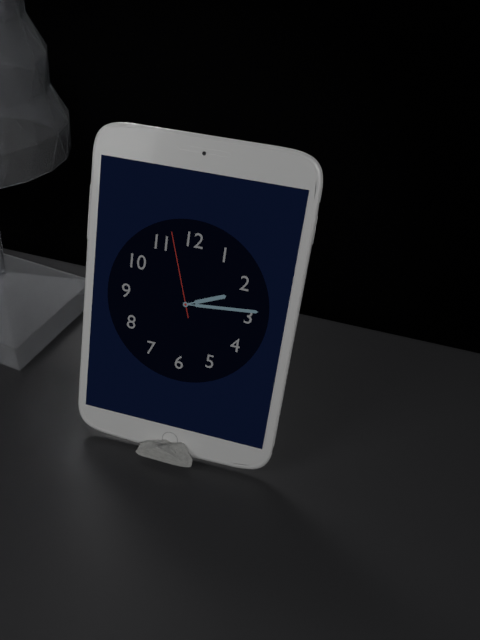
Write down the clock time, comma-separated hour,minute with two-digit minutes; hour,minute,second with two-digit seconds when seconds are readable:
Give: 2,14,57
